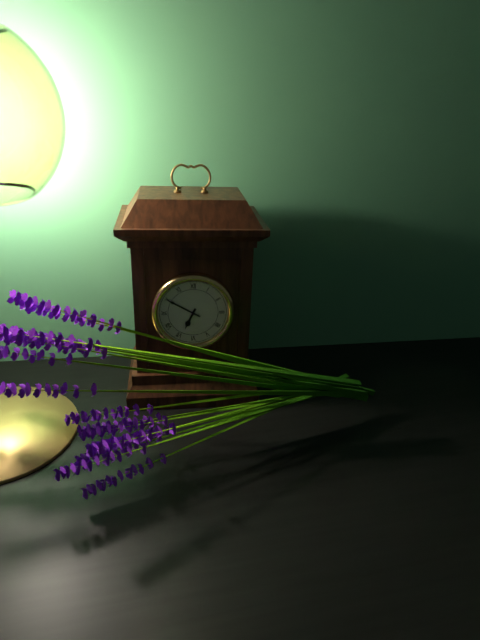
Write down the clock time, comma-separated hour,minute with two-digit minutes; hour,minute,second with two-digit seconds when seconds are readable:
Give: 6,50
